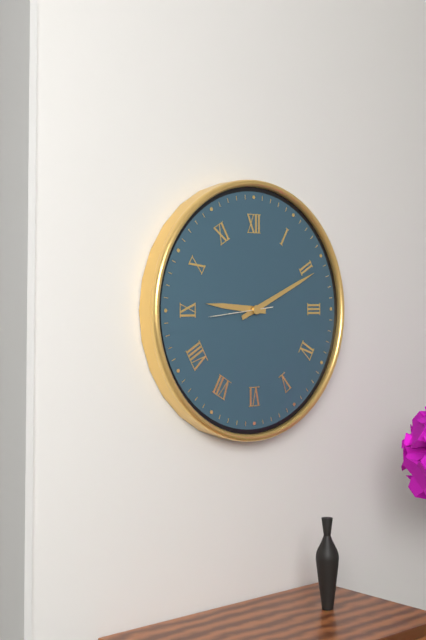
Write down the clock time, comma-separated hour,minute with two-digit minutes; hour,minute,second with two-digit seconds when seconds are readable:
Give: 9,11,44
